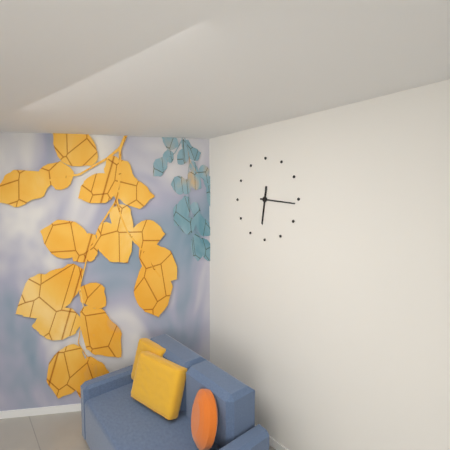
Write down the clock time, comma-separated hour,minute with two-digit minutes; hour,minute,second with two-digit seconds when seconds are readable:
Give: 6,16
